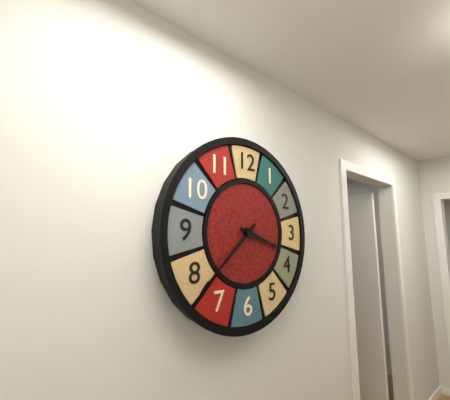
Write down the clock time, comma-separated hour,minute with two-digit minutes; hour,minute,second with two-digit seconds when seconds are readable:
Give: 3,38
